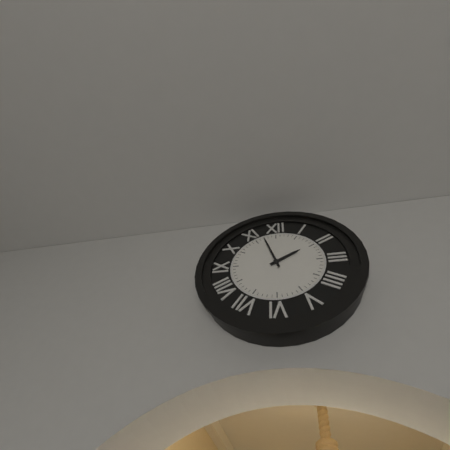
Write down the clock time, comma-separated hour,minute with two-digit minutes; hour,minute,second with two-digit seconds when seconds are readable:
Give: 1,57
